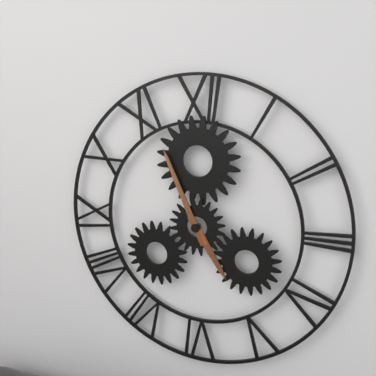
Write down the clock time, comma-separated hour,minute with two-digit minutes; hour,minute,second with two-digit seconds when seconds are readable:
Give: 4,56
